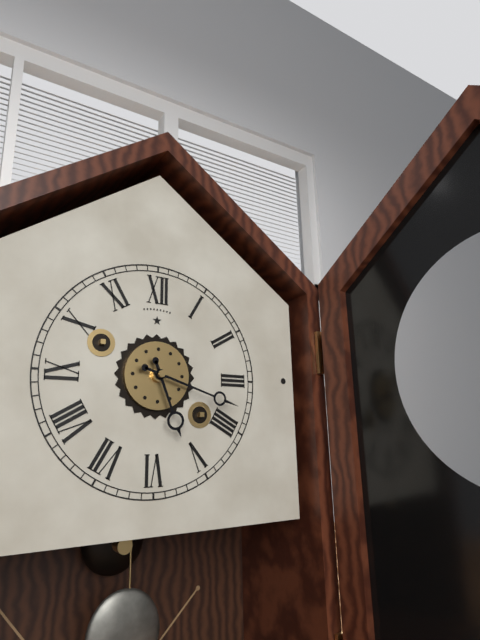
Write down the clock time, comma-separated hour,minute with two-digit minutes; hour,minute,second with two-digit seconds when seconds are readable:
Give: 5,18
